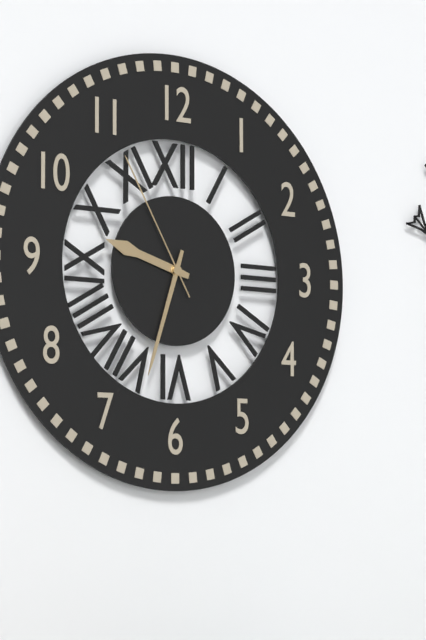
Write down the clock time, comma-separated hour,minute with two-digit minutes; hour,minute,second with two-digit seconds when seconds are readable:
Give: 9,33,55
